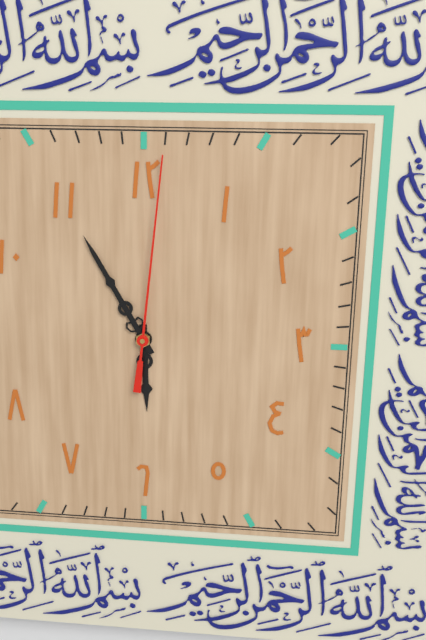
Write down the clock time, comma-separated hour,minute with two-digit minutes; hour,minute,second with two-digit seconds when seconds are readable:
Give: 5,55,01
